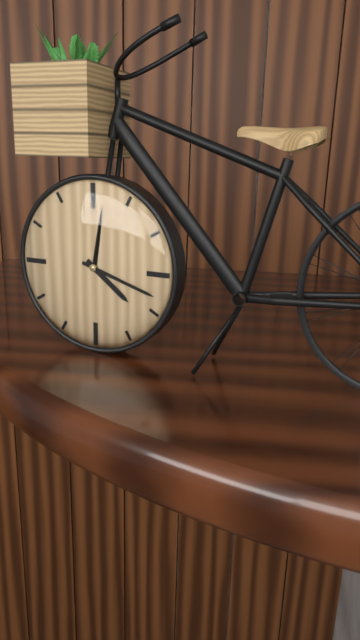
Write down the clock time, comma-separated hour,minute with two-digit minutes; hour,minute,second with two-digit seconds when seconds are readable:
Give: 4,18
